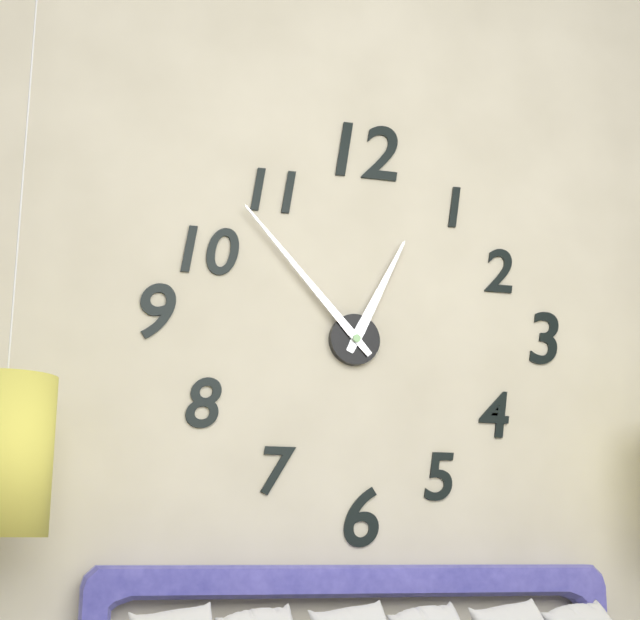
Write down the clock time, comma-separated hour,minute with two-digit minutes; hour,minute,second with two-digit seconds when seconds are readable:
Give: 12,53
